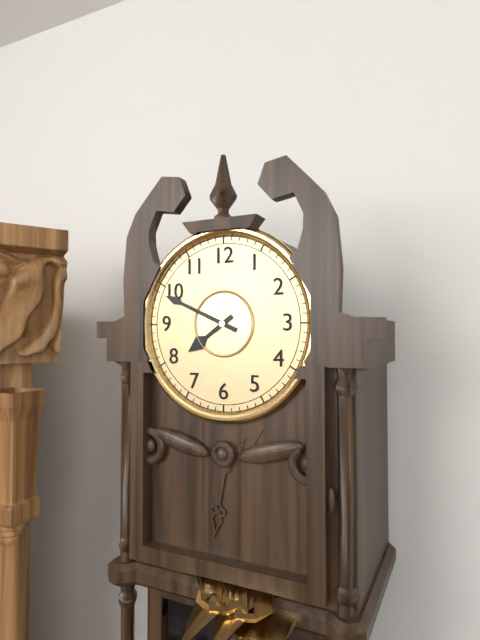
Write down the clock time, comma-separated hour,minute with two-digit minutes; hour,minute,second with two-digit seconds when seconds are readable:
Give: 7,49
